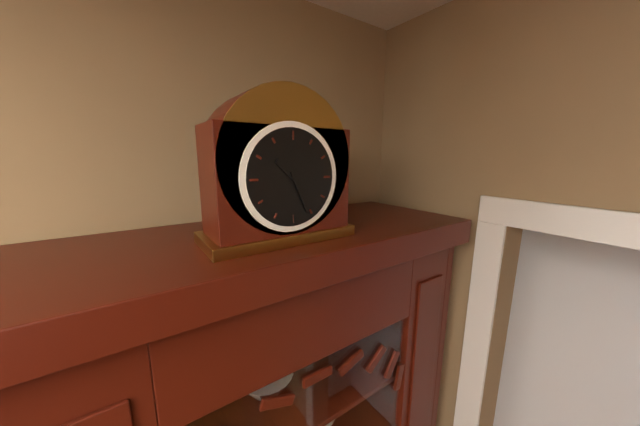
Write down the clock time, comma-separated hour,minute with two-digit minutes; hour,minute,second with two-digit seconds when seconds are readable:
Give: 10,26
